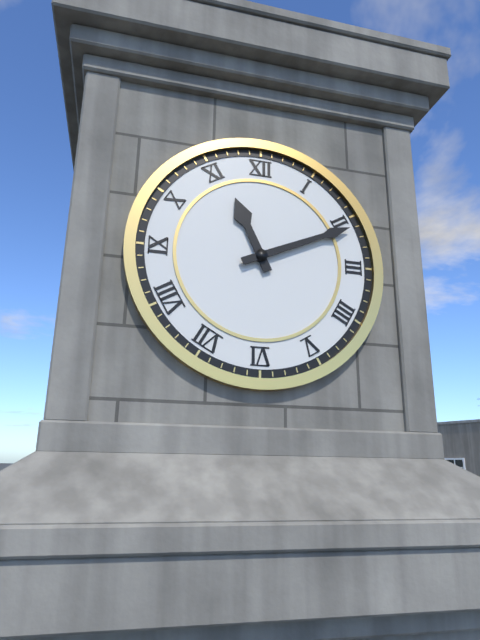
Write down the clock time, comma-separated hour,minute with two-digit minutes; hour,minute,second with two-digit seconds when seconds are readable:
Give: 11,11
